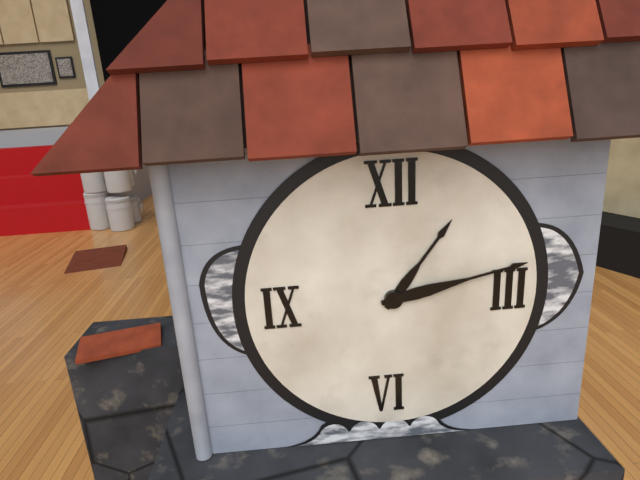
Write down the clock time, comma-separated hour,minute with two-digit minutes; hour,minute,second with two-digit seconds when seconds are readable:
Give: 1,13
